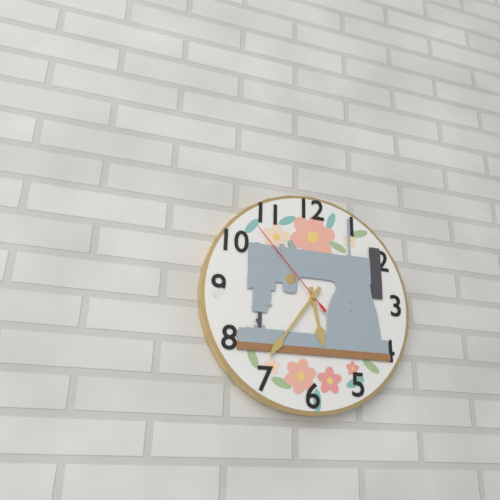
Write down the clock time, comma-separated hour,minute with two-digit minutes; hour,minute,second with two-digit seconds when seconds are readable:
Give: 5,36,53
